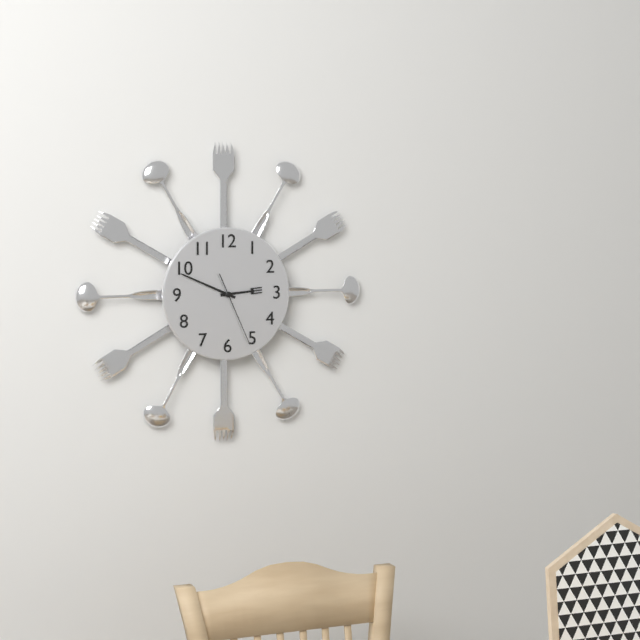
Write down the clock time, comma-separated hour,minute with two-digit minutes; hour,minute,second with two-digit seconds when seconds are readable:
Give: 2,49,26
